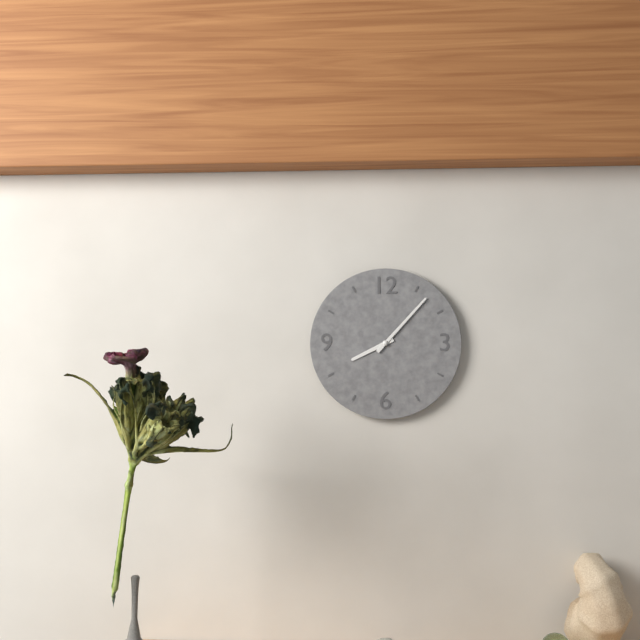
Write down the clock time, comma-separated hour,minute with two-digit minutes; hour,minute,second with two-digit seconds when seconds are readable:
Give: 8,07
